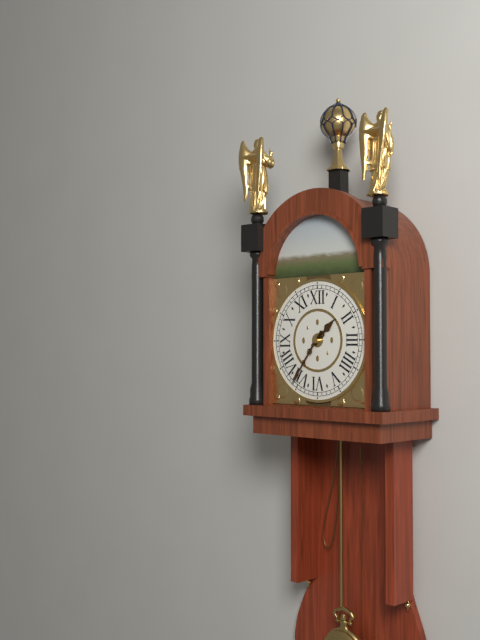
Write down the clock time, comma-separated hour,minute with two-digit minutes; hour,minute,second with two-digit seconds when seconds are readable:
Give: 1,36
